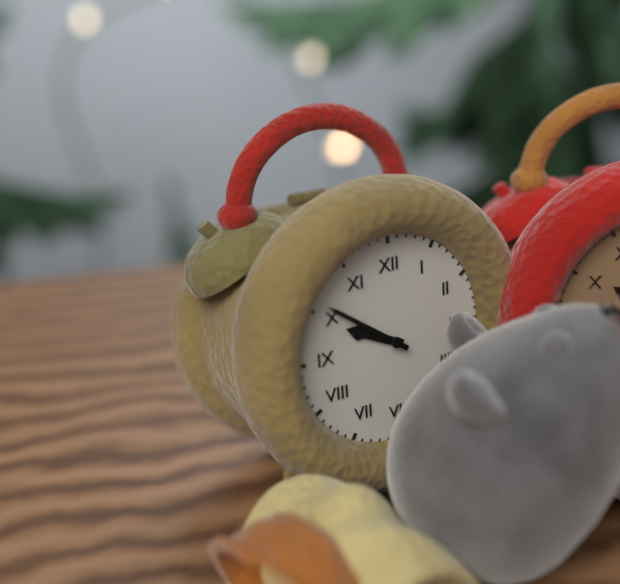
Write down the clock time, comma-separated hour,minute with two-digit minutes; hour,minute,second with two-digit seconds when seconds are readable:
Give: 9,51
